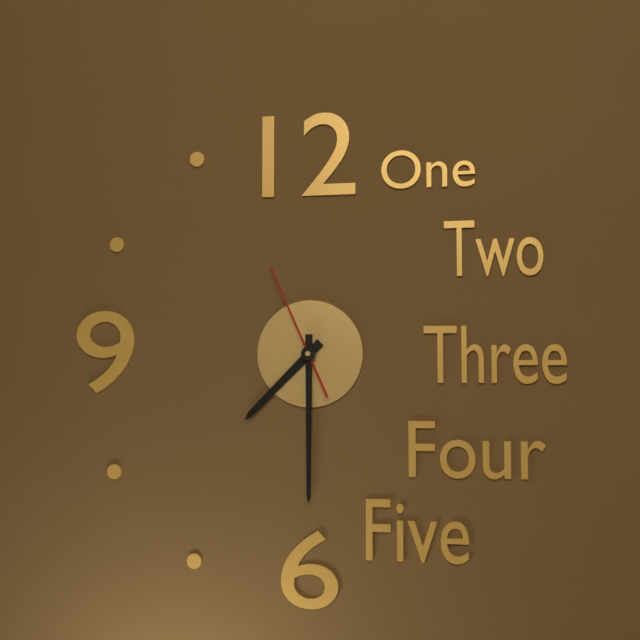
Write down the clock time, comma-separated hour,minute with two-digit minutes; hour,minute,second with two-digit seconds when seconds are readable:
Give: 7,30,56
